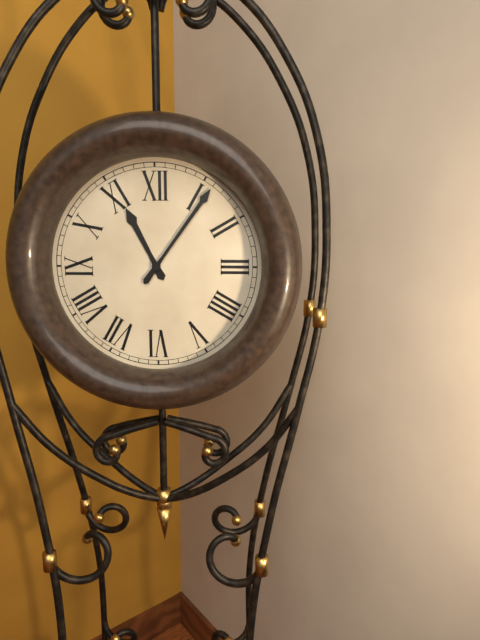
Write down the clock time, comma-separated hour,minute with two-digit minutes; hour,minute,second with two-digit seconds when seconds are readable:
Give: 11,06
